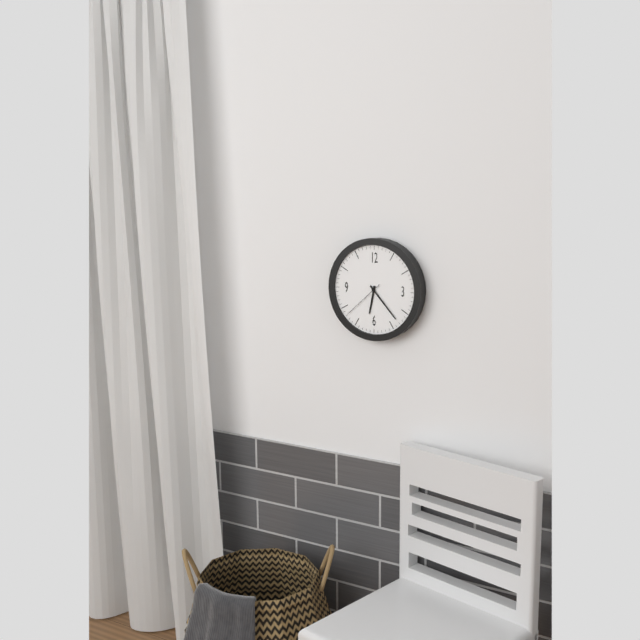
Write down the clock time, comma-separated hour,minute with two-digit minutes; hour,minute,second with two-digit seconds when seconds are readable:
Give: 6,23
